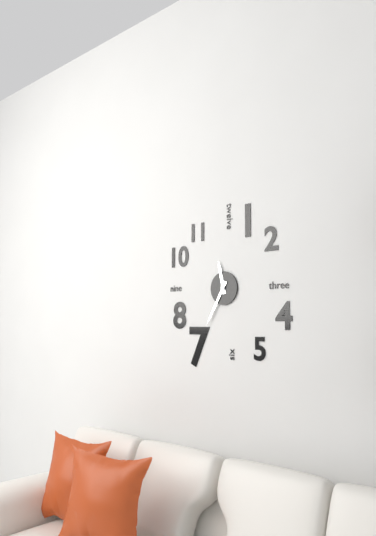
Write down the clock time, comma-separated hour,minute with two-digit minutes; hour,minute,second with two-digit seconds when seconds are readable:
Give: 11,35
